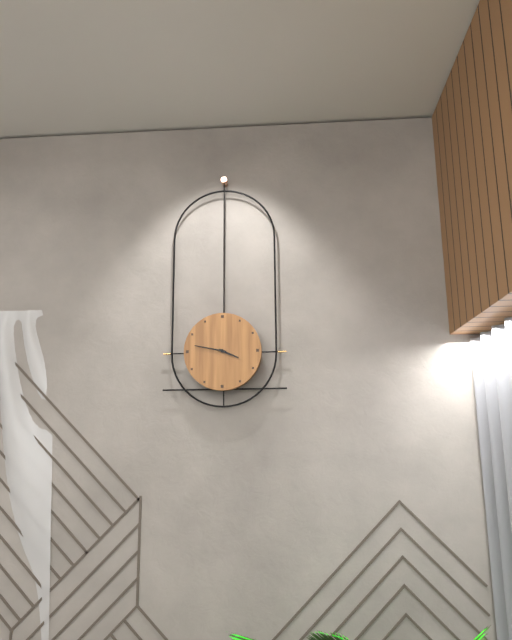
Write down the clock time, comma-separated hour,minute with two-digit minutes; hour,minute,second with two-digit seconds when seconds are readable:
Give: 3,47
